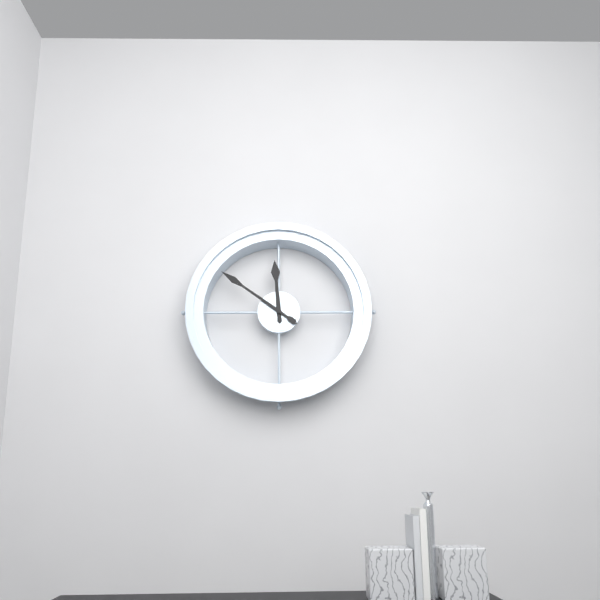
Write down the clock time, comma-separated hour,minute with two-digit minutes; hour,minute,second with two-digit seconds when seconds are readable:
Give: 11,51
